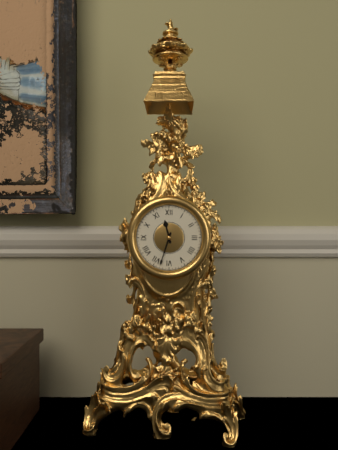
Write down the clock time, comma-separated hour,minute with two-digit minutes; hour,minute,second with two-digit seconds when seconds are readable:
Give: 11,33
